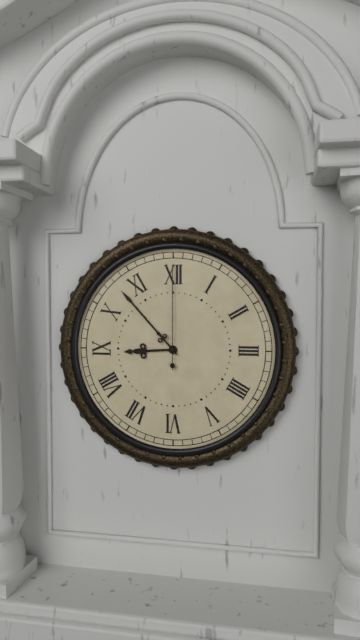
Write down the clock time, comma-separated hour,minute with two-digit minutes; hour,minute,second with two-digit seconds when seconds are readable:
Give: 8,53,00
